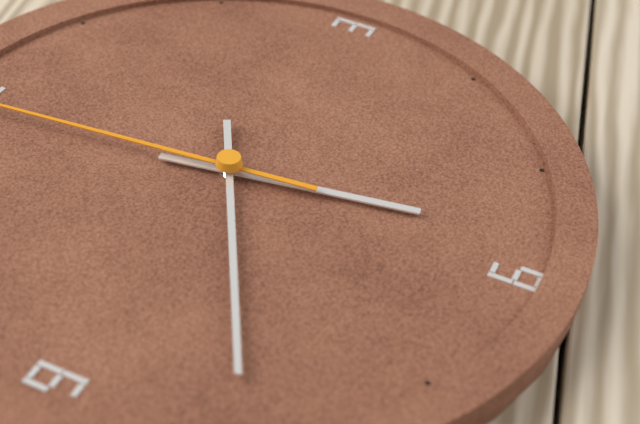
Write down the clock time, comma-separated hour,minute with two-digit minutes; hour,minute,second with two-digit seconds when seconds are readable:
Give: 5,40
